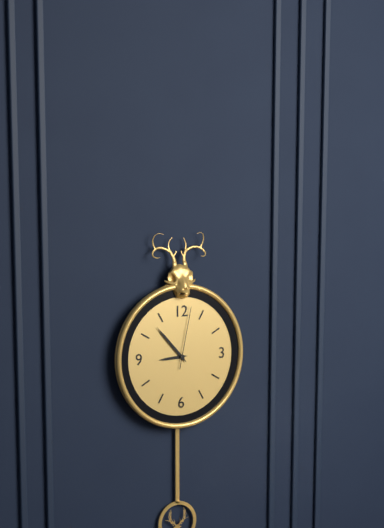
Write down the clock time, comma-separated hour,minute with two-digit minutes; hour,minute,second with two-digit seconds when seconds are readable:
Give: 8,53,02
